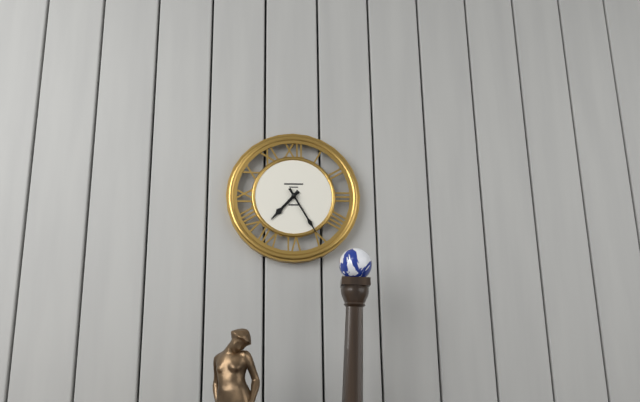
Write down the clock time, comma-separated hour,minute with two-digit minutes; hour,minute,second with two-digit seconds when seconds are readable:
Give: 7,25
